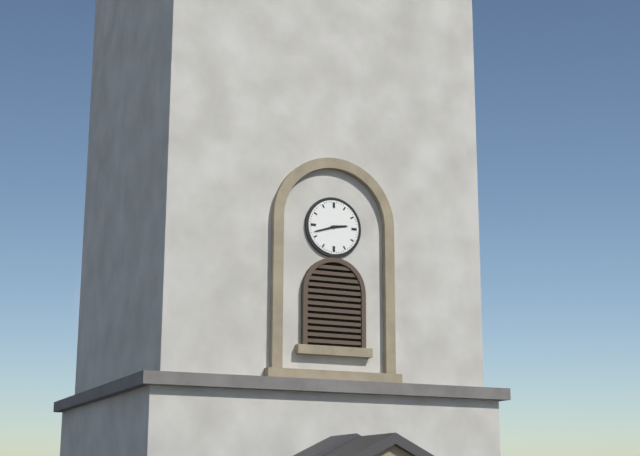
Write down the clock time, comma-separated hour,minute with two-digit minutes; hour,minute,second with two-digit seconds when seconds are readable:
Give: 2,42
